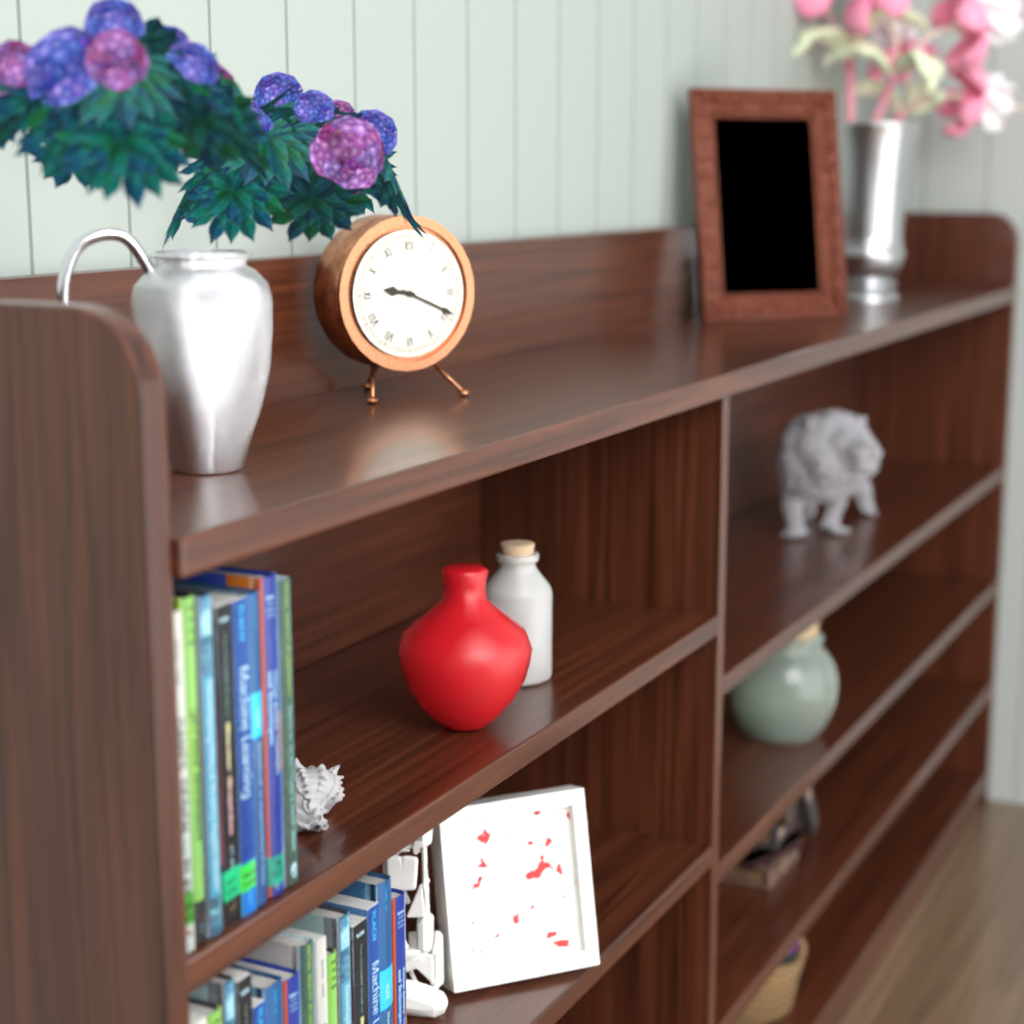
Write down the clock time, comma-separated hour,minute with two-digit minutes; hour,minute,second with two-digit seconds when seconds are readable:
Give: 9,19
